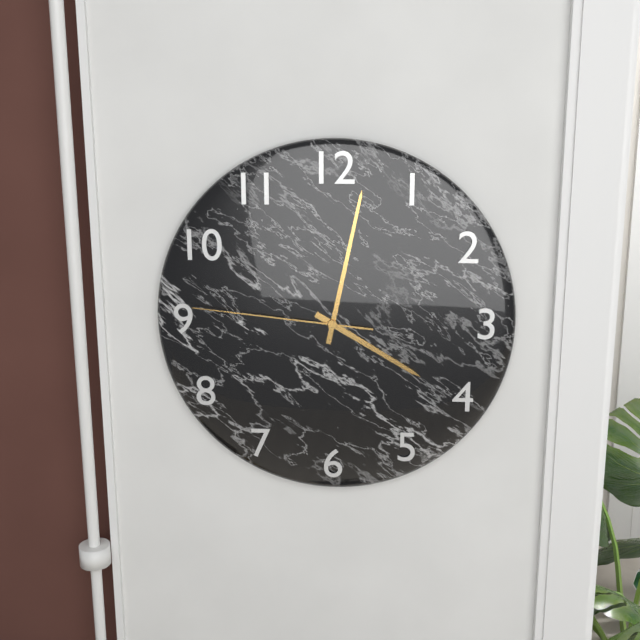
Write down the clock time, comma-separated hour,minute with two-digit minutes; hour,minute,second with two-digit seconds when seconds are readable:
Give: 4,02,46
